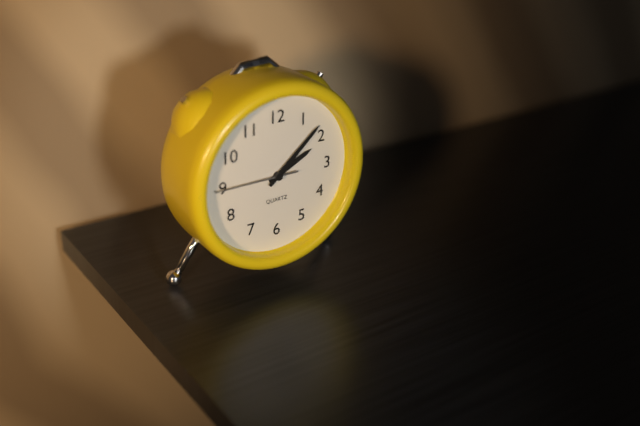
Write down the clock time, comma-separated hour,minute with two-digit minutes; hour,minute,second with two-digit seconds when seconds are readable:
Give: 2,08,45
